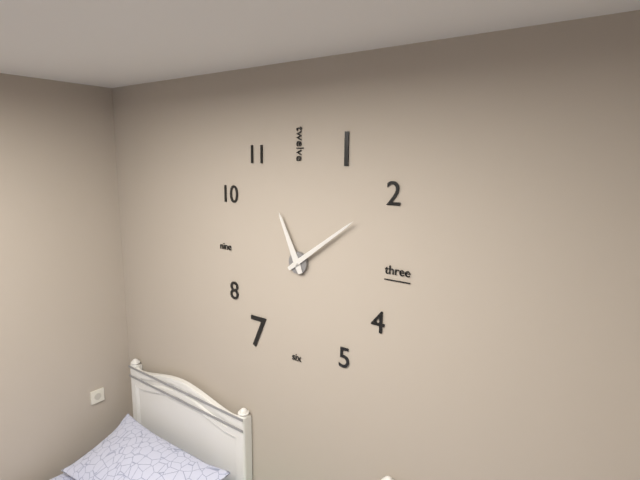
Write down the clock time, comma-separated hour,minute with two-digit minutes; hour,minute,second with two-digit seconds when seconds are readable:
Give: 11,09
